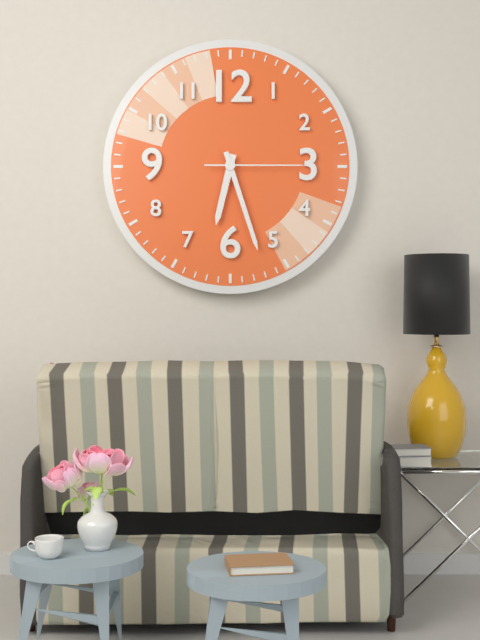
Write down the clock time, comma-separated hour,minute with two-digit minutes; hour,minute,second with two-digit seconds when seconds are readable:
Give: 6,27,15
